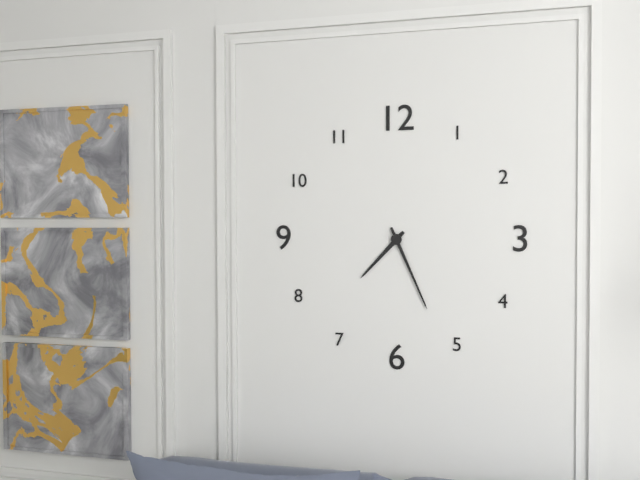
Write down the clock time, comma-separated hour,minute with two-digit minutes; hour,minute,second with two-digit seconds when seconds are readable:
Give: 7,26
